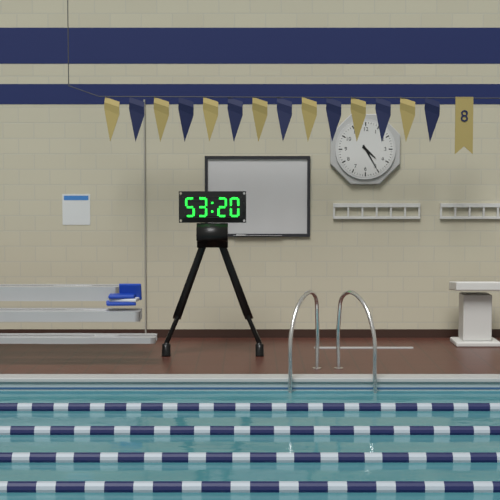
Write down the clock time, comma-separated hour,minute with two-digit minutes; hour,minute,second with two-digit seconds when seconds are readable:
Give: 4,25
